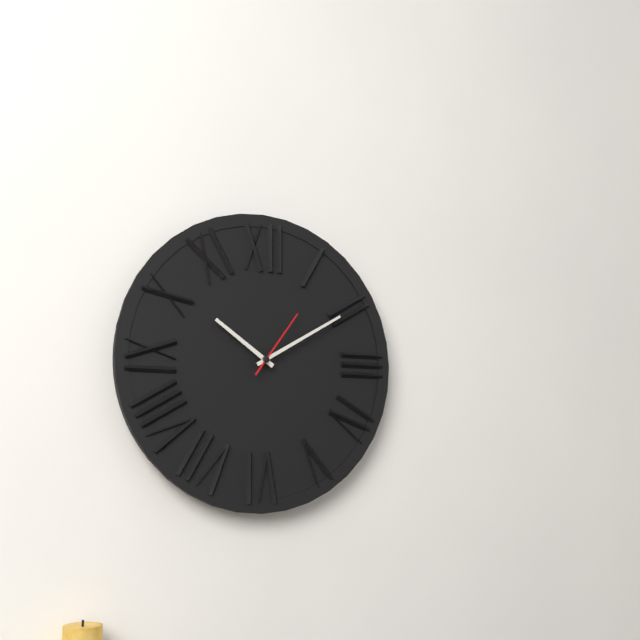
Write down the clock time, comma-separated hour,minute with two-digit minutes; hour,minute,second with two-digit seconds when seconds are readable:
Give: 10,10,06
